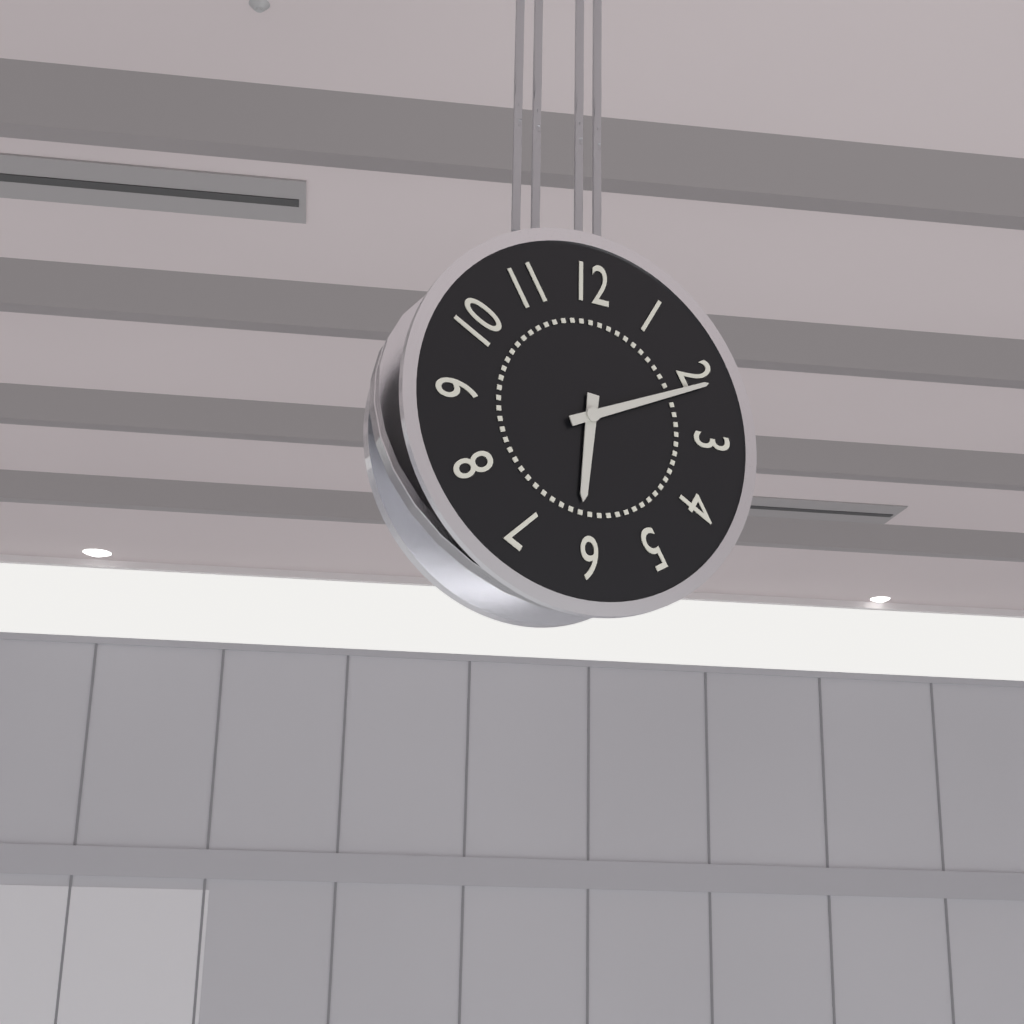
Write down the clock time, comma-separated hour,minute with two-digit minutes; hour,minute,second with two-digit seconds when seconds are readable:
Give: 6,11
